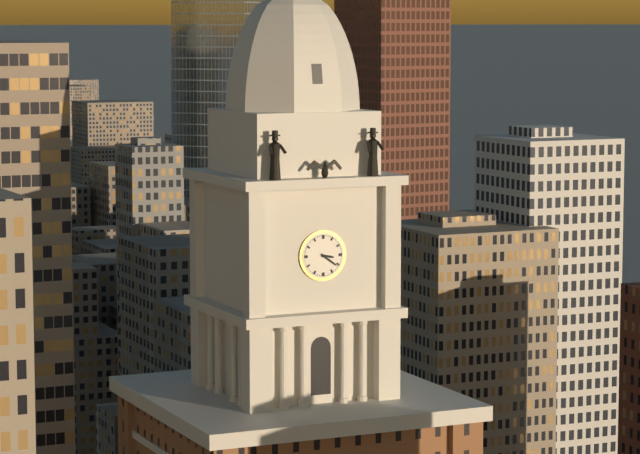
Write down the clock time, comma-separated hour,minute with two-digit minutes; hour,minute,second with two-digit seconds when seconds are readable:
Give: 3,21
